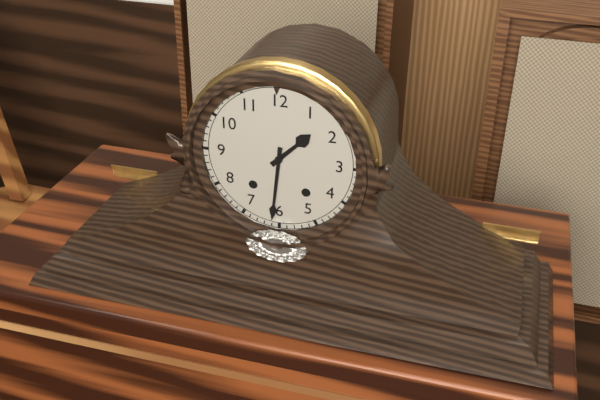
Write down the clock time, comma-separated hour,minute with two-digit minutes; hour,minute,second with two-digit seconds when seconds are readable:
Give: 1,31
